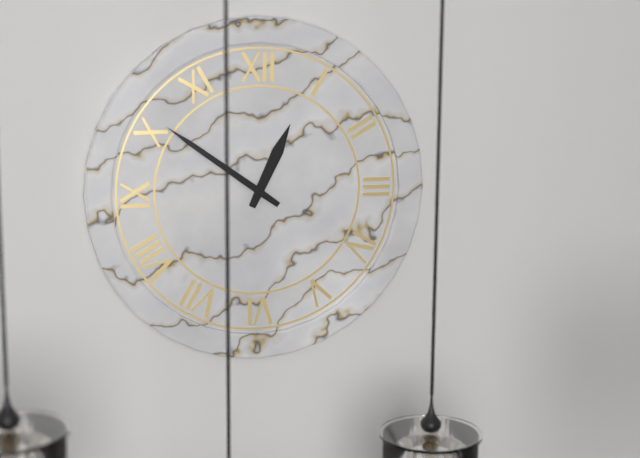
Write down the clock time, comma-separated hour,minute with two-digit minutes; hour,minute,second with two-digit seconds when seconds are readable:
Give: 12,51
